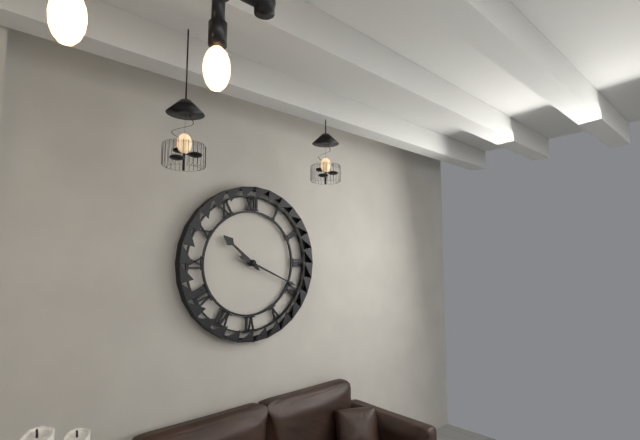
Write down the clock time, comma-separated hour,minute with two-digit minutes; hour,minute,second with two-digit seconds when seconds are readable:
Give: 10,19
